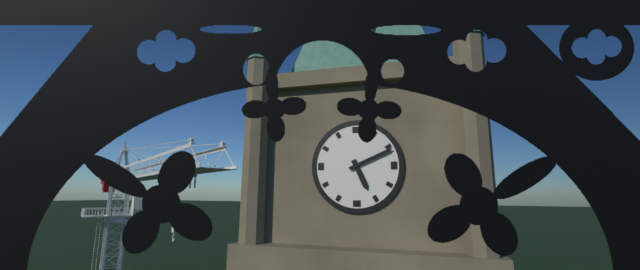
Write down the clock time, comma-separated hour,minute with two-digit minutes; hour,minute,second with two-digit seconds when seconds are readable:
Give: 5,11
